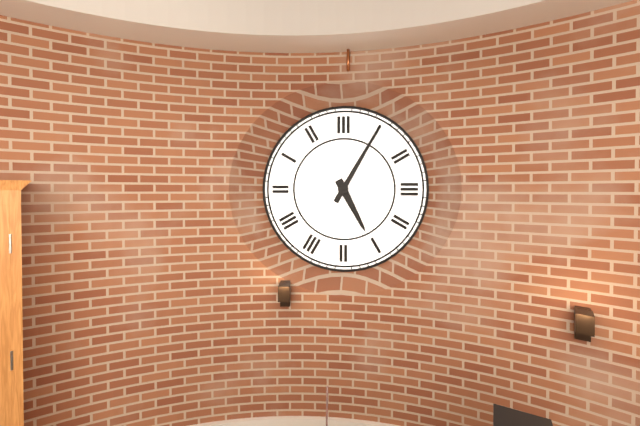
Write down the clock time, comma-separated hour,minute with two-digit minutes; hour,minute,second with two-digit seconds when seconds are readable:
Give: 5,05
